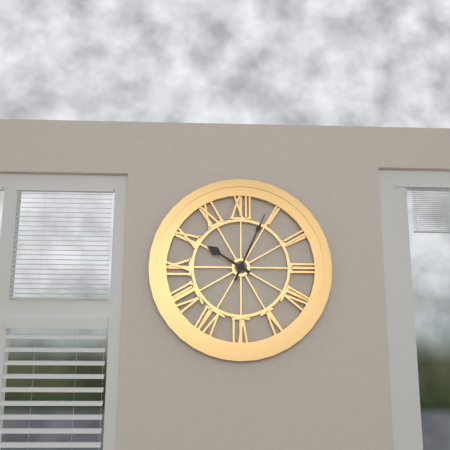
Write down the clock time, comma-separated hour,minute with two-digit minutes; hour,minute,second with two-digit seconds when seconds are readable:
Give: 10,04
